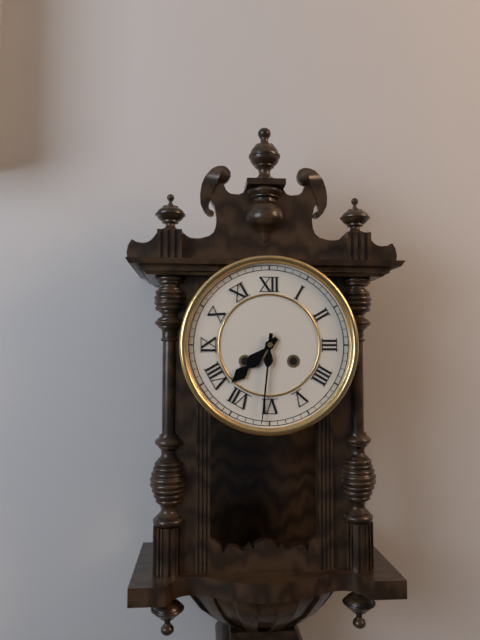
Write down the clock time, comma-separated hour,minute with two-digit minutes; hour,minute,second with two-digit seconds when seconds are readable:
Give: 7,31
